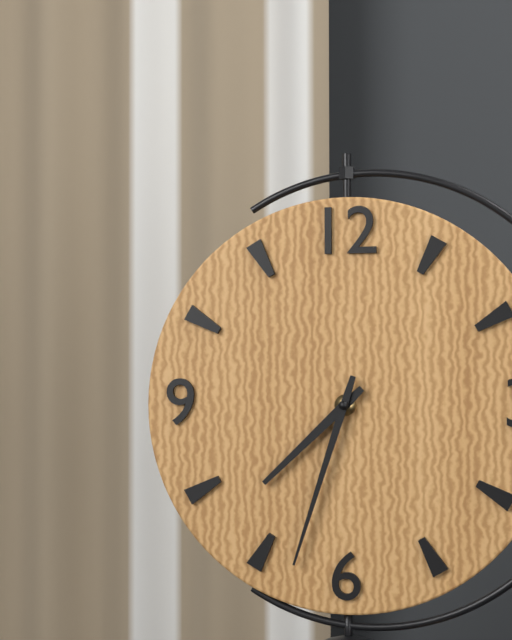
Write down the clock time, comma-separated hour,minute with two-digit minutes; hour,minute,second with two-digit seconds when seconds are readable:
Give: 7,33
